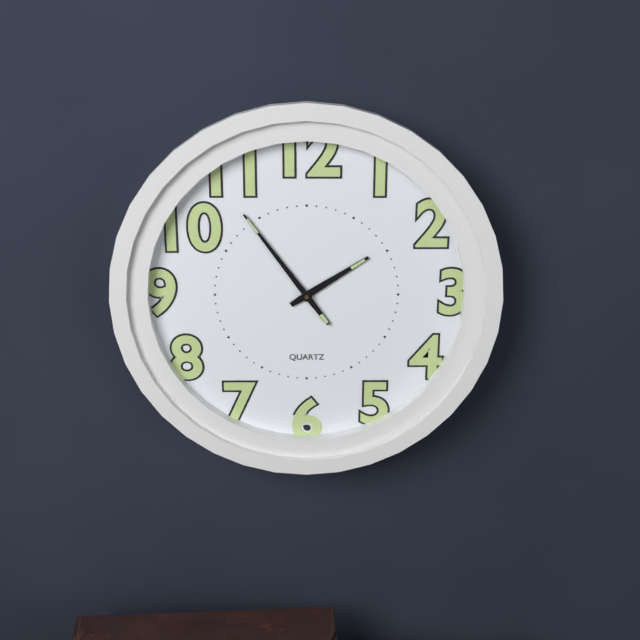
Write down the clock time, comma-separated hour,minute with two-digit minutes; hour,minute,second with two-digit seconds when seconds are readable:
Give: 1,54
